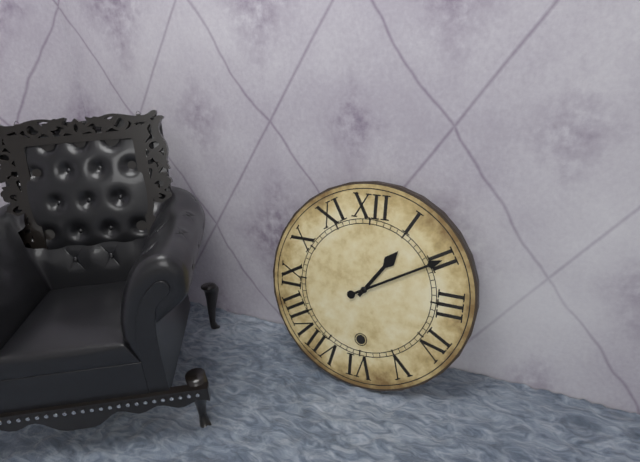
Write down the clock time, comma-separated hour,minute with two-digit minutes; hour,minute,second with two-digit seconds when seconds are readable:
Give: 1,10
